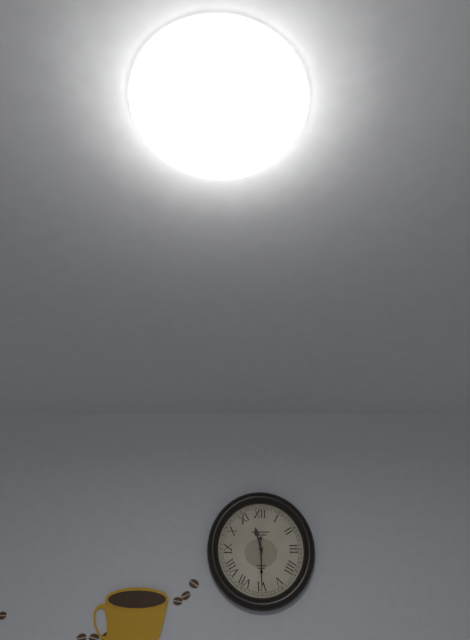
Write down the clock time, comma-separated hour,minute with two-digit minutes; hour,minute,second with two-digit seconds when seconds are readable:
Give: 11,30
